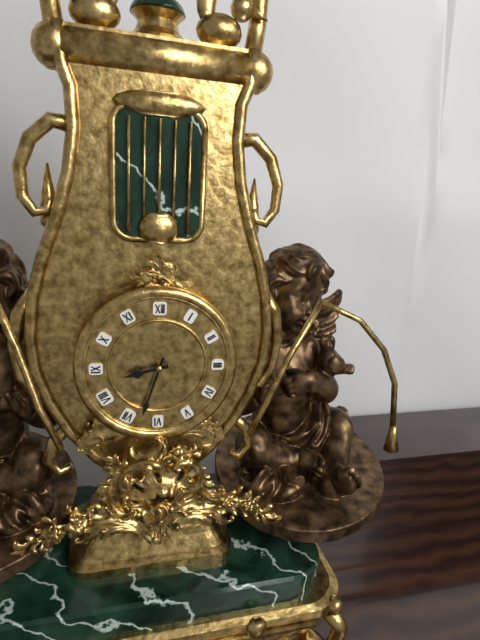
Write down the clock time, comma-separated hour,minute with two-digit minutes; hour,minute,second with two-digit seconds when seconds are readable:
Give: 8,33
